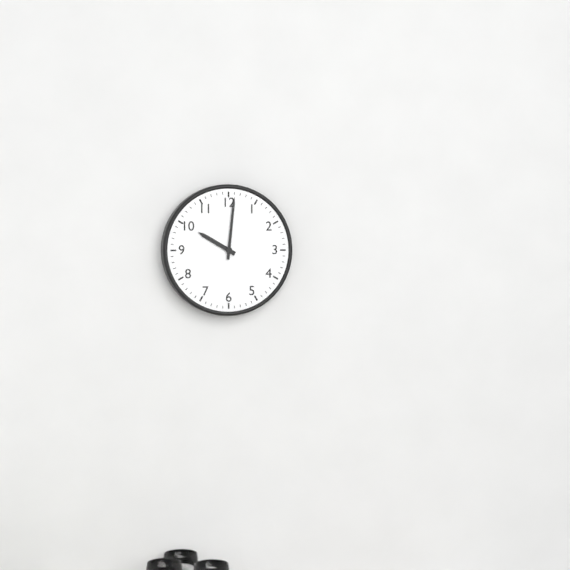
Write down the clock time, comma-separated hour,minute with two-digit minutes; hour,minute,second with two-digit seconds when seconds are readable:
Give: 10,01
